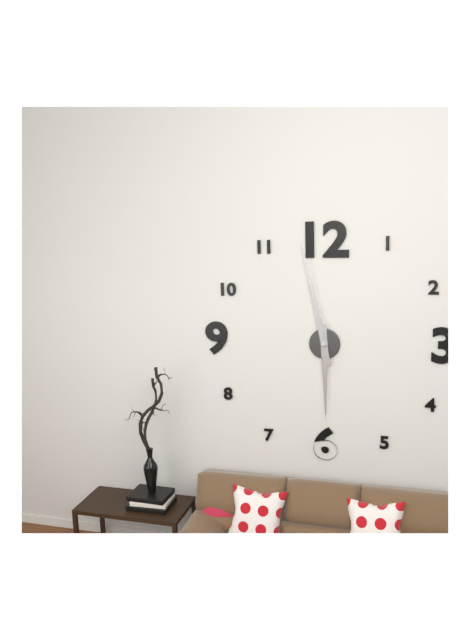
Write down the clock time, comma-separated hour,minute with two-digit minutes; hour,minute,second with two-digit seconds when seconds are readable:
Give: 5,58
